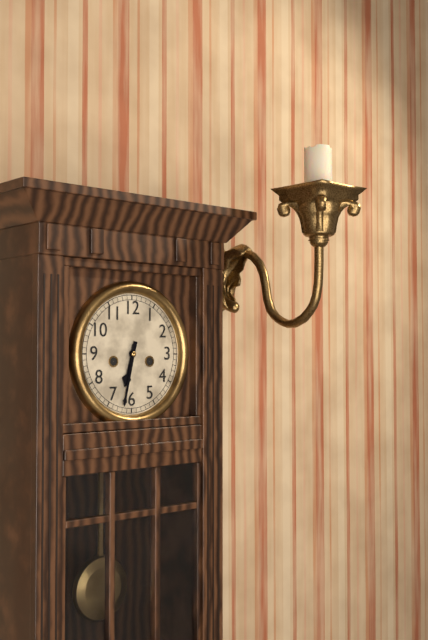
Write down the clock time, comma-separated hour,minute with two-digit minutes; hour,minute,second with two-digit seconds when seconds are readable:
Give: 6,32
